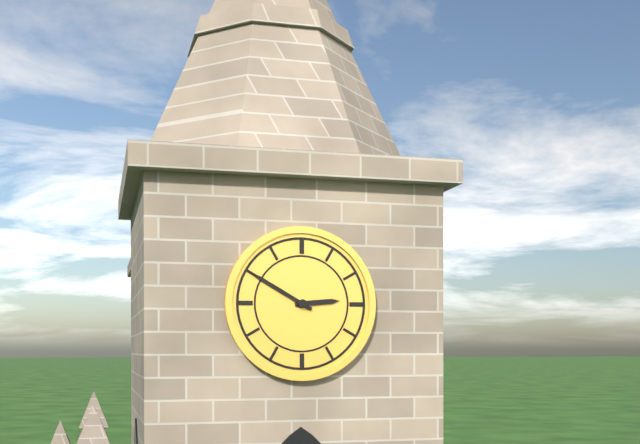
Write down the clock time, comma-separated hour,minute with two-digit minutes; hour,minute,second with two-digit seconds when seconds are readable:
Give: 2,50
